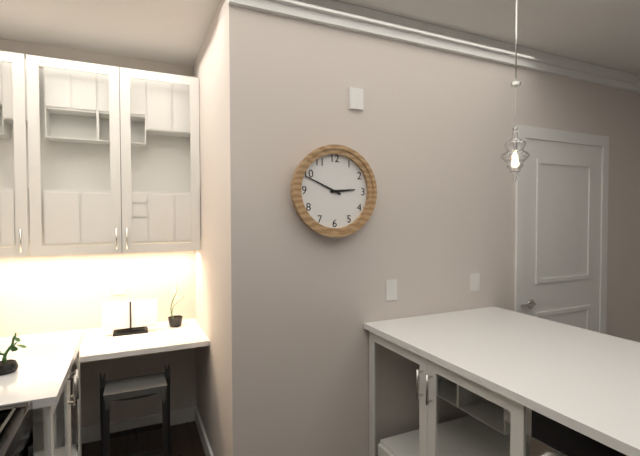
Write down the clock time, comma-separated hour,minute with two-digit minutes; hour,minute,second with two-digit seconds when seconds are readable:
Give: 2,49
